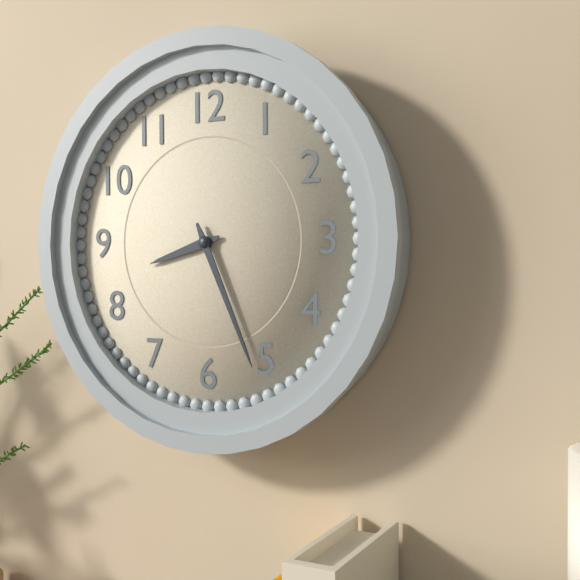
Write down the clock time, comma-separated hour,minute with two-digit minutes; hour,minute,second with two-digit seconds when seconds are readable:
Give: 8,26
